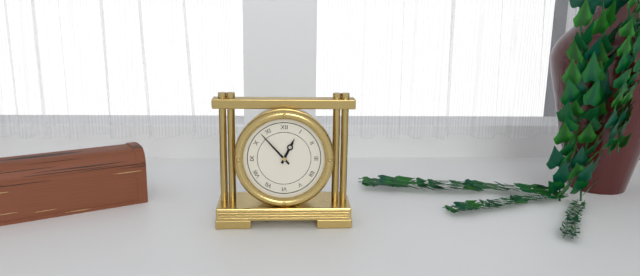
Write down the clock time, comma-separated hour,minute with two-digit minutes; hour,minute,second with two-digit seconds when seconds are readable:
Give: 12,53
